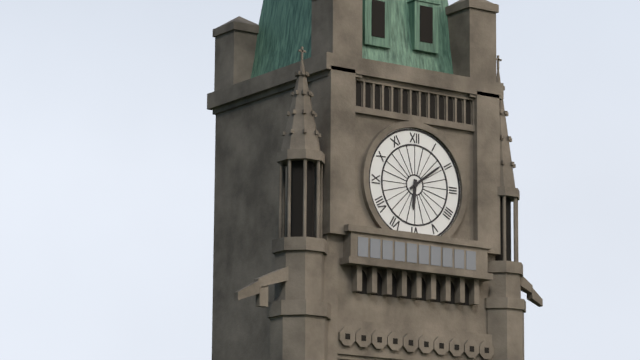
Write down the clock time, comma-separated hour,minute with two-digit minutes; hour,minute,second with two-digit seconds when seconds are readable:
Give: 6,09
